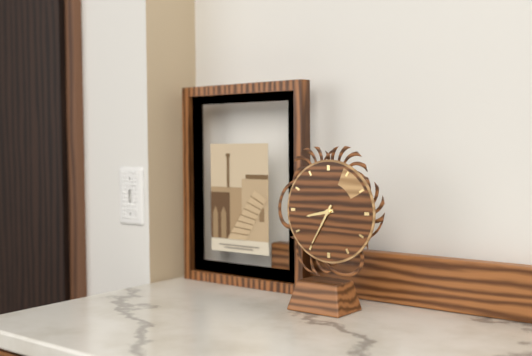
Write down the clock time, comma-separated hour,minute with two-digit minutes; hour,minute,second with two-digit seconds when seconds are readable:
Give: 8,35
